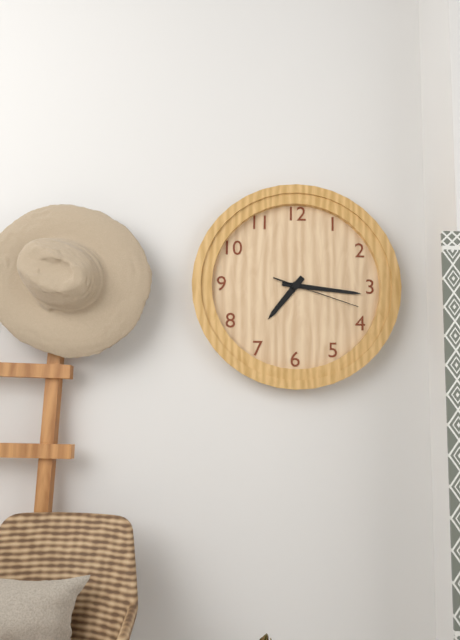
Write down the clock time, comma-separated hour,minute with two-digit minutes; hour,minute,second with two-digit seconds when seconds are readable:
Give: 7,16,18
